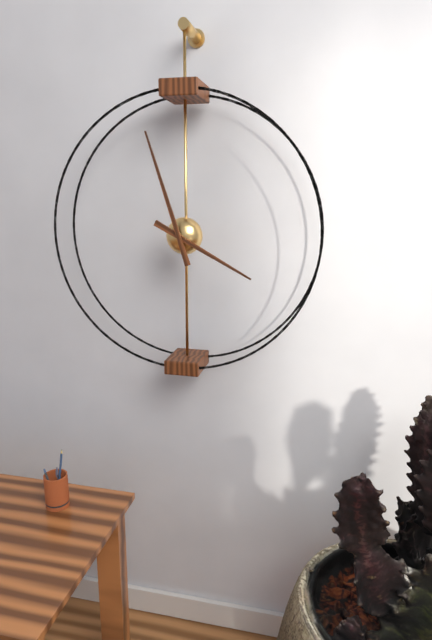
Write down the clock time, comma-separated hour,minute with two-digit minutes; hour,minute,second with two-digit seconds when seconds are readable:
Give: 3,57
